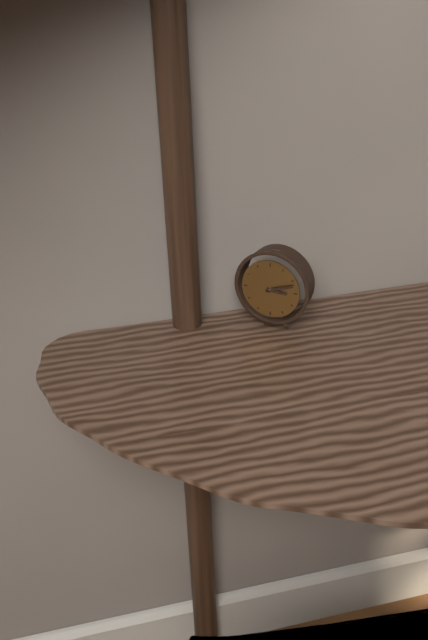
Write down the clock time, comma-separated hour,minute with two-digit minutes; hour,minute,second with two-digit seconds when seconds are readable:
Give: 3,12
